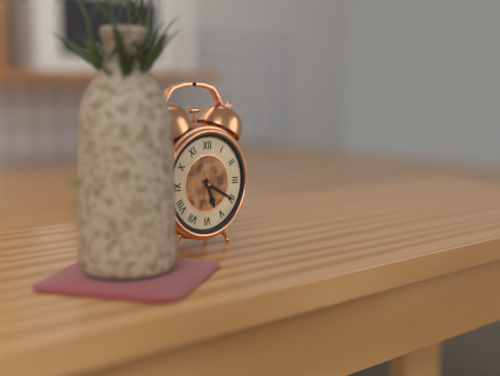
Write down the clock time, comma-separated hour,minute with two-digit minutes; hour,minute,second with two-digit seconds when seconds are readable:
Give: 5,20
